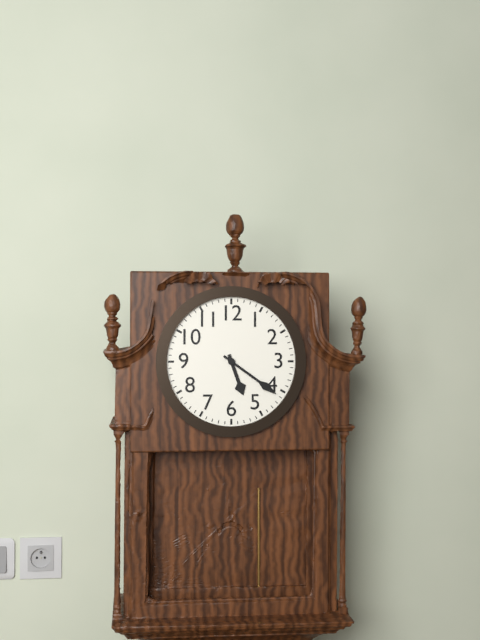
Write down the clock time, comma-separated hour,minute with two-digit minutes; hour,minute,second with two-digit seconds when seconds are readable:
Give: 5,21
